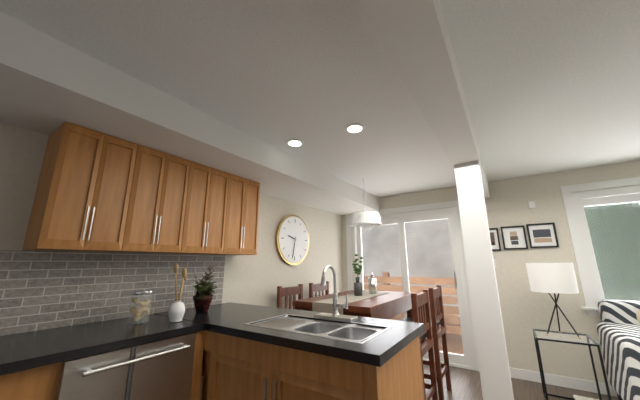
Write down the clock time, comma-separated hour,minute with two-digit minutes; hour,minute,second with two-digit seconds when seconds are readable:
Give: 9,32
